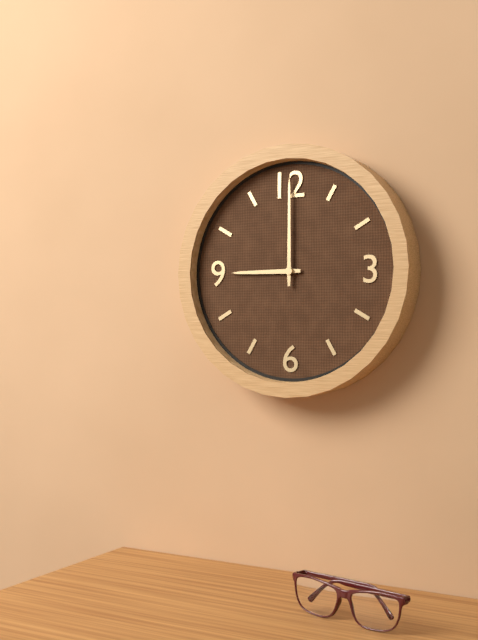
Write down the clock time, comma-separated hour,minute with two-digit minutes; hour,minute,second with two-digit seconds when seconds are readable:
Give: 9,00
